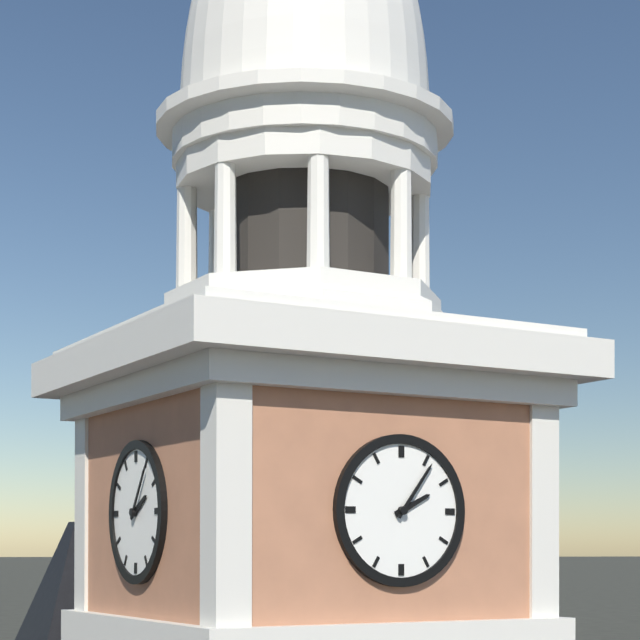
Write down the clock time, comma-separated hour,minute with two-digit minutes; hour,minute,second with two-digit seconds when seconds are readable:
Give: 2,06
